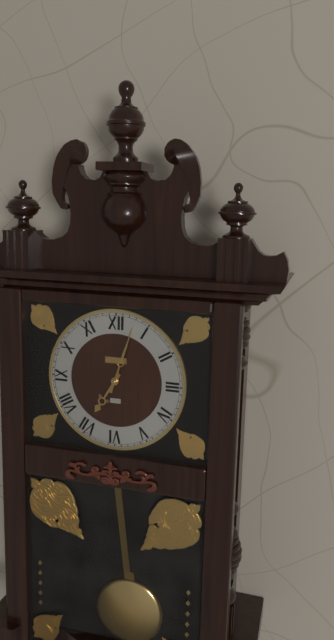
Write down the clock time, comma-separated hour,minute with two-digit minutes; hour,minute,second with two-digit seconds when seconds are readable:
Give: 7,03
